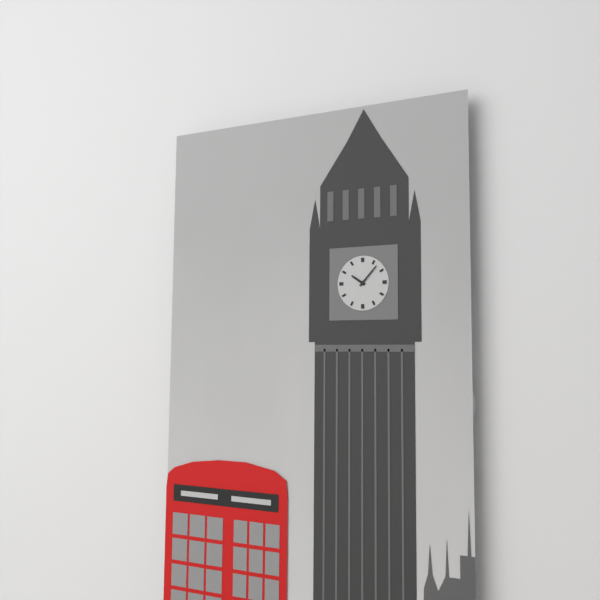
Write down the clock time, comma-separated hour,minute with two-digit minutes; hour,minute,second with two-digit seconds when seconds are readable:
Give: 10,07
